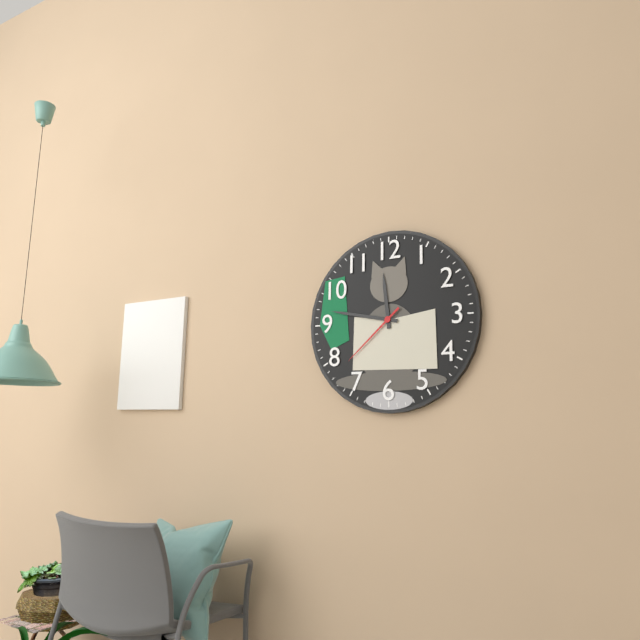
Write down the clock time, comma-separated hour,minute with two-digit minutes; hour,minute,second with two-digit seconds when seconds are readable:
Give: 11,47,38
